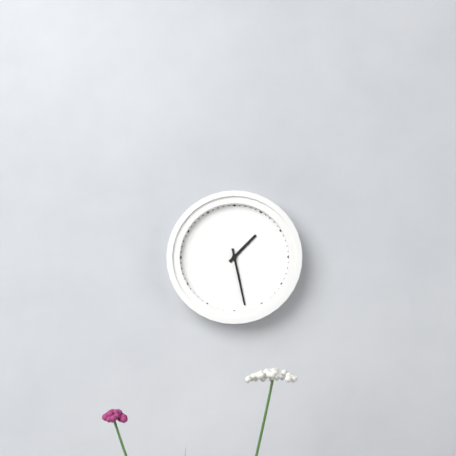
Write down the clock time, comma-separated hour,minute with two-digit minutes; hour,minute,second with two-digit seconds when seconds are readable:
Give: 1,28
